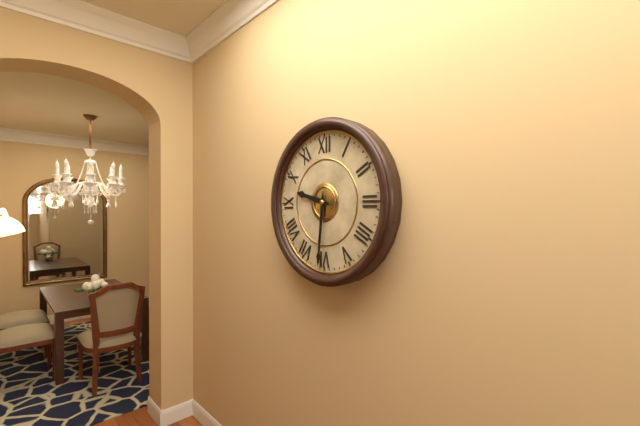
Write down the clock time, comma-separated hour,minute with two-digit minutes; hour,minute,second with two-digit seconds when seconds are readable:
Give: 9,31
